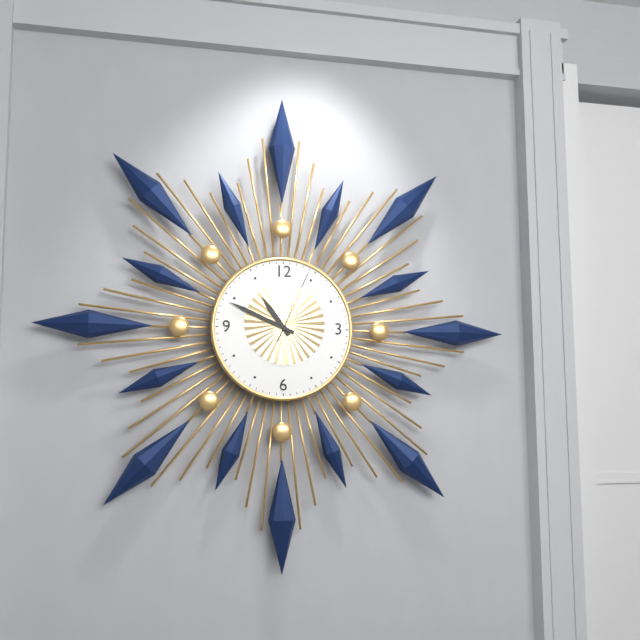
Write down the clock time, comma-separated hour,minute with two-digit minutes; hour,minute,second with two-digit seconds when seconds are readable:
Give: 10,49,04
